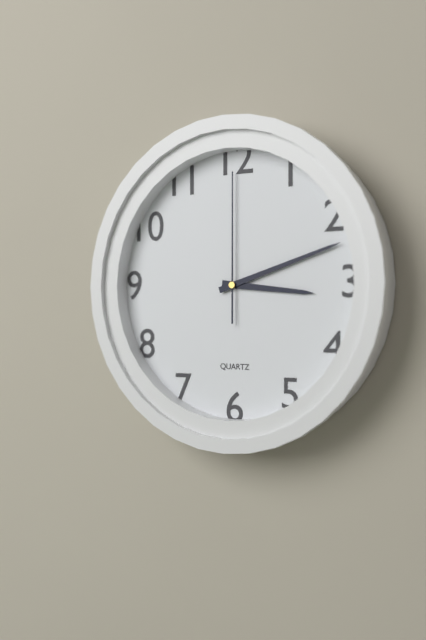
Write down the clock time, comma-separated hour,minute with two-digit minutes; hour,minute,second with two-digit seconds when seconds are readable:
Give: 3,12,00
